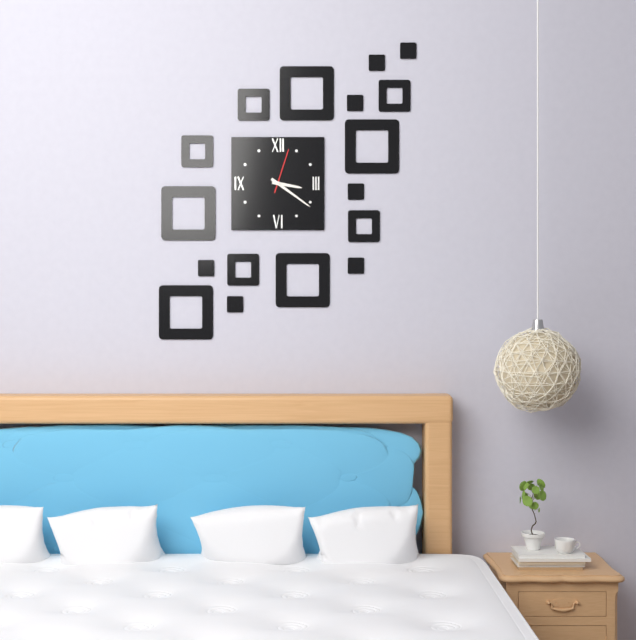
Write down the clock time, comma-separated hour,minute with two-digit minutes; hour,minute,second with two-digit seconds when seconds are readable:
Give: 3,21
